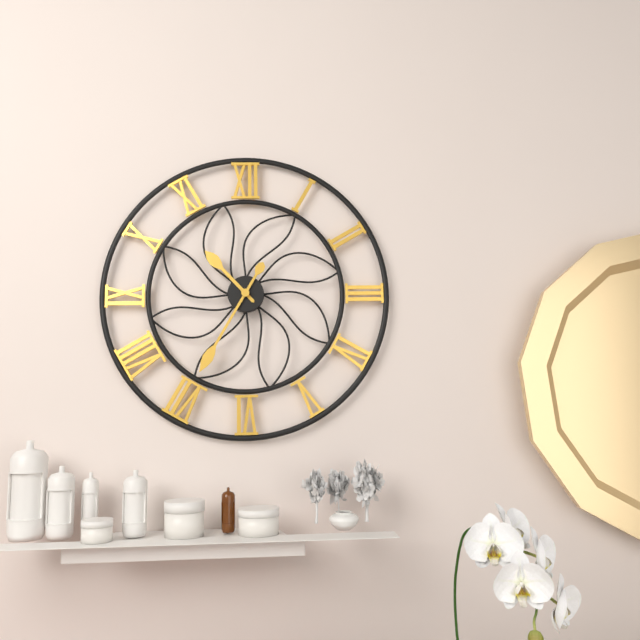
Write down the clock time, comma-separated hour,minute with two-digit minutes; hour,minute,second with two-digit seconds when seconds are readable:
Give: 10,35
